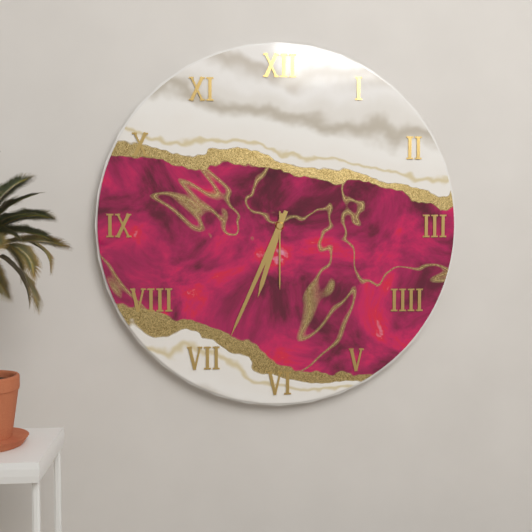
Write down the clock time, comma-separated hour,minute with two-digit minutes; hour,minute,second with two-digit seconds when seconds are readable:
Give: 6,34,30
